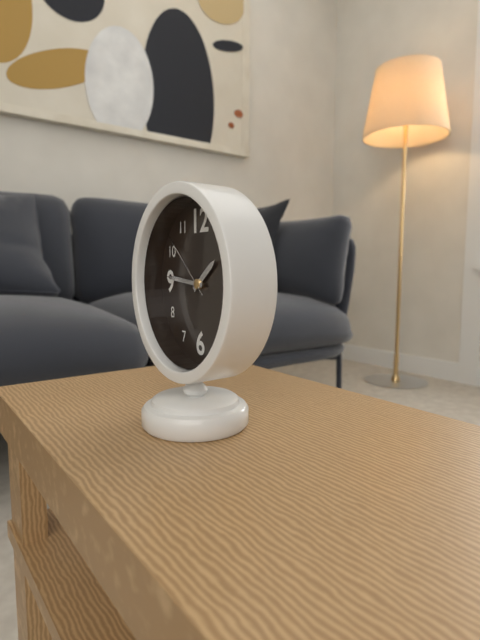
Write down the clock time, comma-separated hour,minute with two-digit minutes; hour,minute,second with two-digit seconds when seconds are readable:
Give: 1,46,52
